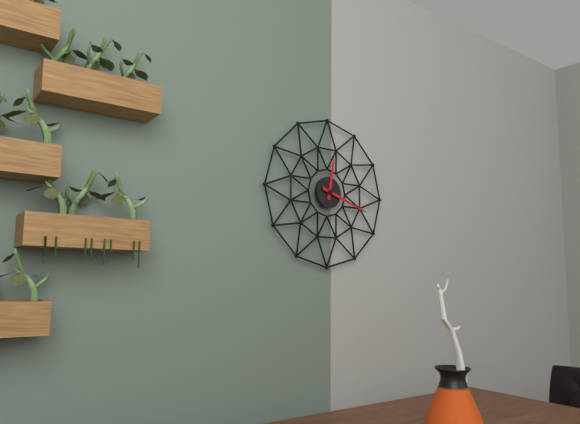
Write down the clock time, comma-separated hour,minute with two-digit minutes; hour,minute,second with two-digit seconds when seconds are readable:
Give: 12,18
